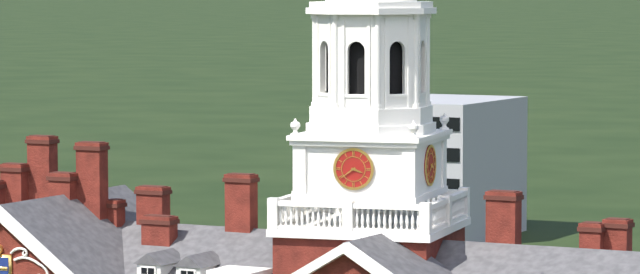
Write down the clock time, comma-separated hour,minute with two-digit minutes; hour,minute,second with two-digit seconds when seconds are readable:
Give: 3,39
